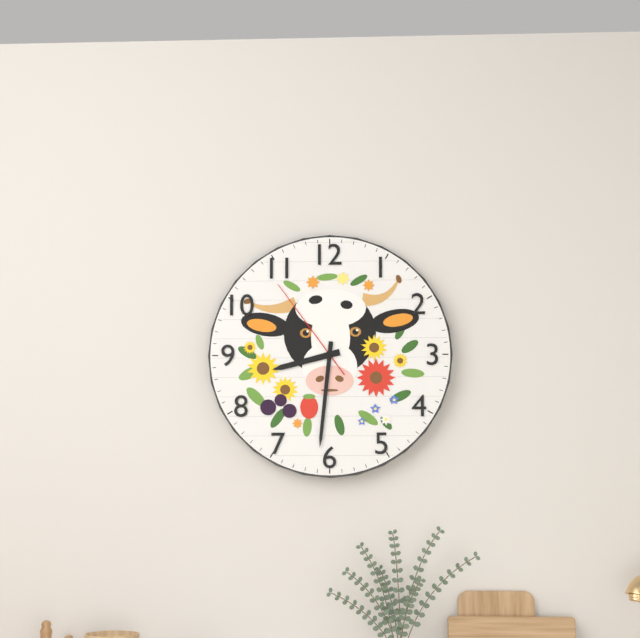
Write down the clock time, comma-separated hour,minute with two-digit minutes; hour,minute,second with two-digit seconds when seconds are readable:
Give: 8,31,54
